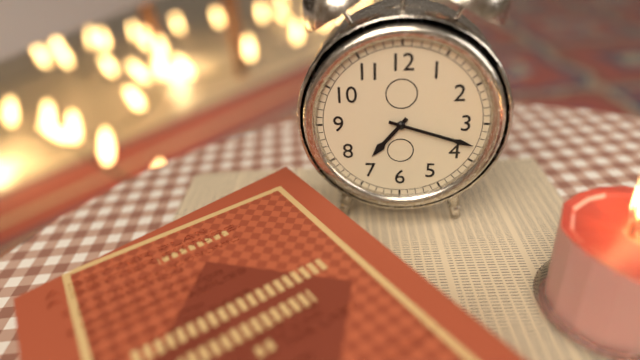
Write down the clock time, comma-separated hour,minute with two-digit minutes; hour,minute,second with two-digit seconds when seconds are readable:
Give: 7,18
